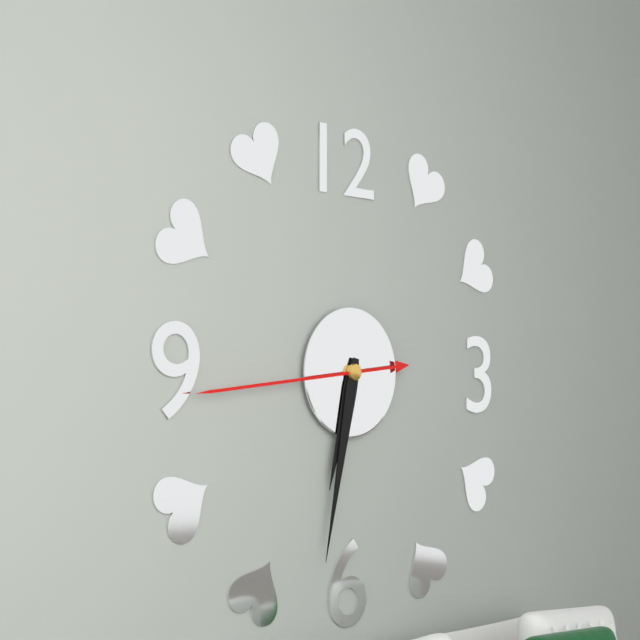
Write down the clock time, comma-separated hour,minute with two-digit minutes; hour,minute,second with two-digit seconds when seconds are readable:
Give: 6,32,44
